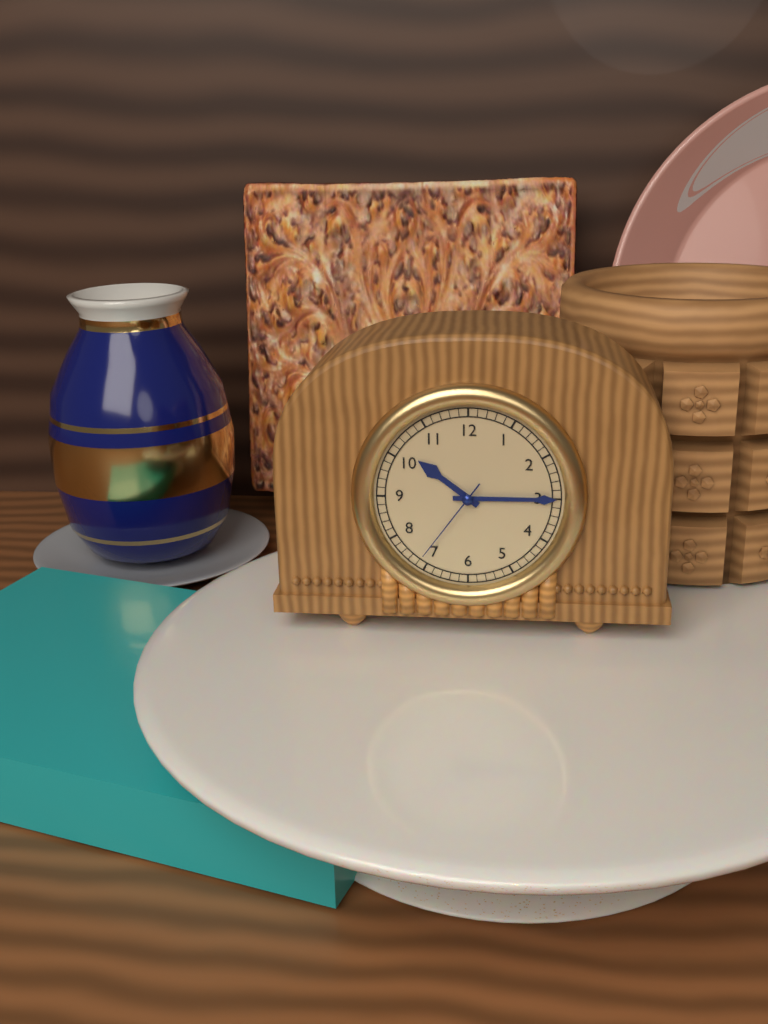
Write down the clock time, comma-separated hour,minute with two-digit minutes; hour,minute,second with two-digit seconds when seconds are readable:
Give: 10,15,36
